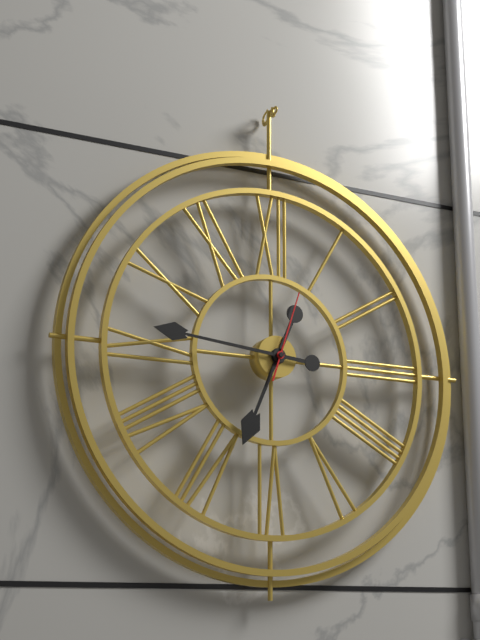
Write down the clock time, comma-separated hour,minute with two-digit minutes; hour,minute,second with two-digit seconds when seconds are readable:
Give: 6,46,03
